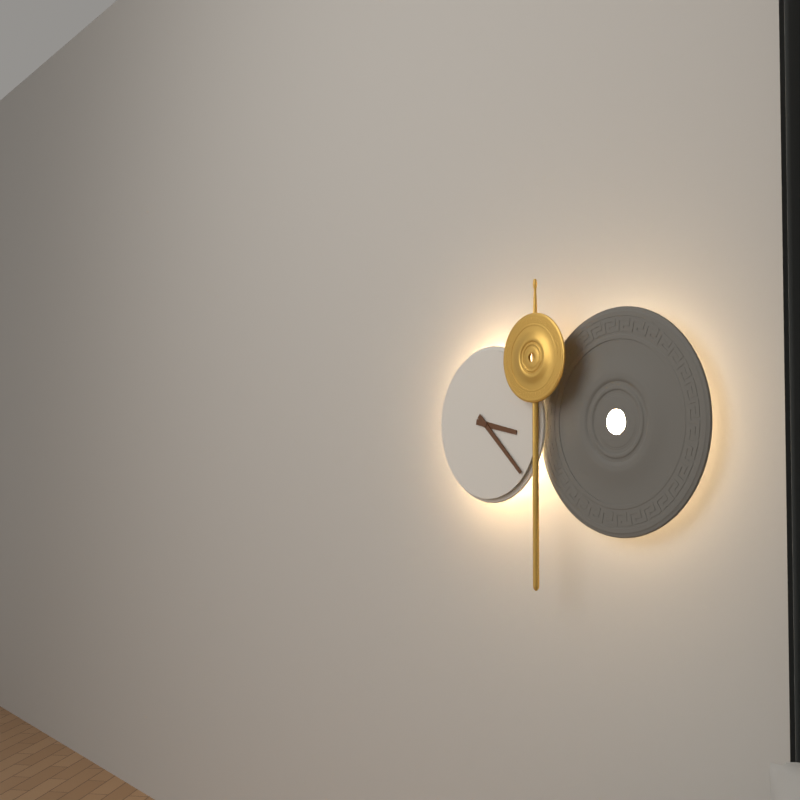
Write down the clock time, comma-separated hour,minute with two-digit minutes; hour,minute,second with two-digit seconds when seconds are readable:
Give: 3,22
